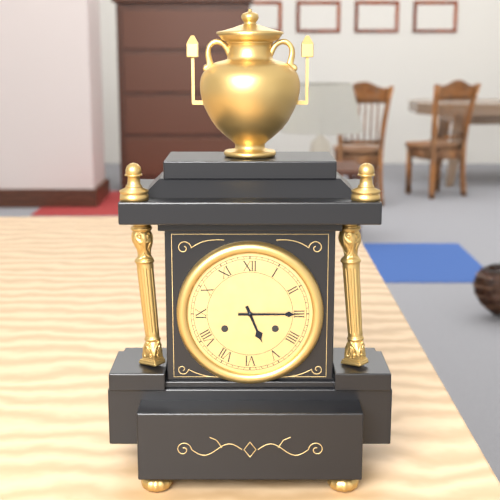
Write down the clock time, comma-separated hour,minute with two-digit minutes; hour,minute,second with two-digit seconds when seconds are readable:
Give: 5,15
